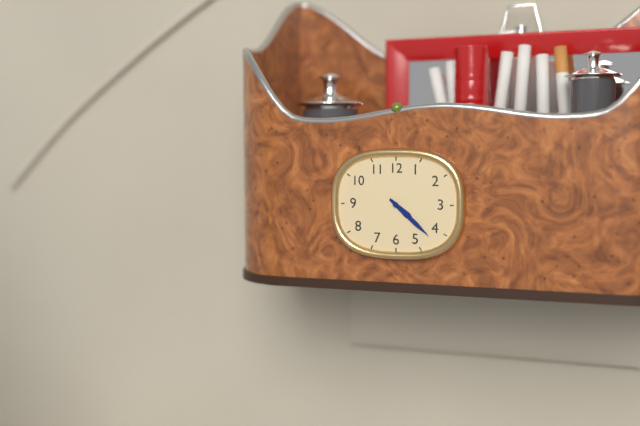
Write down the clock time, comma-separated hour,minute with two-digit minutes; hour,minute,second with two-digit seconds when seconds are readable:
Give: 4,22
